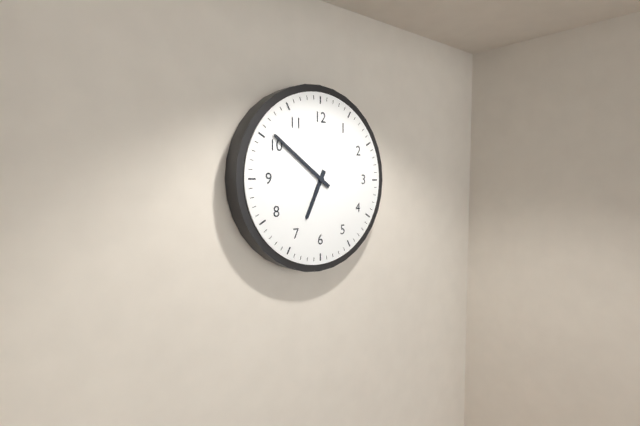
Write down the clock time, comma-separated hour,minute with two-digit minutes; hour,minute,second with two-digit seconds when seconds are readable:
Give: 6,51
